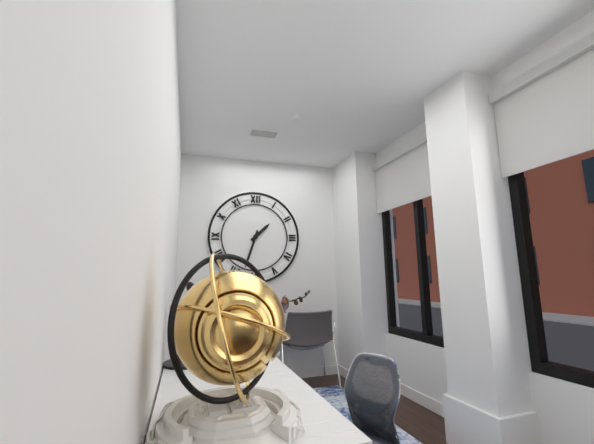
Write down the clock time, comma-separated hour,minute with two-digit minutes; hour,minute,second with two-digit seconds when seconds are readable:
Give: 1,33
